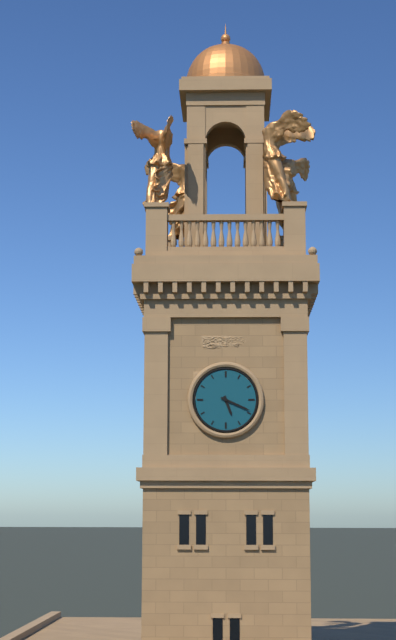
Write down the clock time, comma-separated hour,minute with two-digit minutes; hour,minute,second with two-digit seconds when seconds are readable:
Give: 5,19
